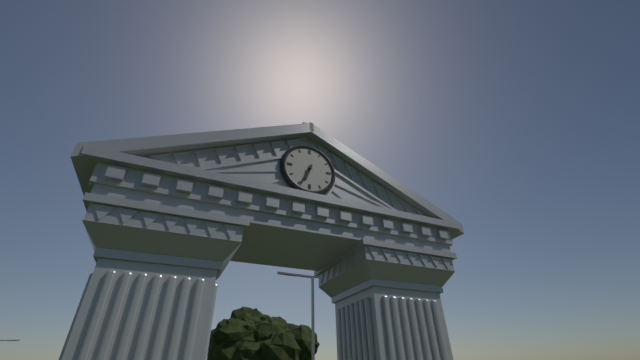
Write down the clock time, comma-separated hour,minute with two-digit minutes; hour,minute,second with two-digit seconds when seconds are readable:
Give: 6,34
